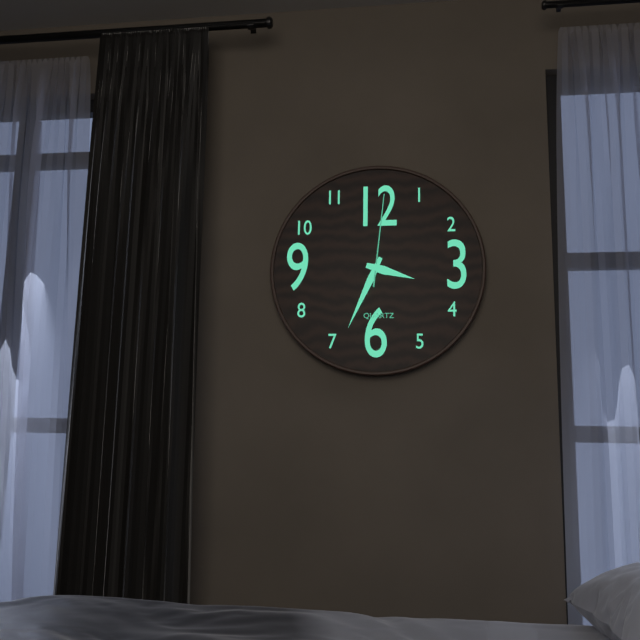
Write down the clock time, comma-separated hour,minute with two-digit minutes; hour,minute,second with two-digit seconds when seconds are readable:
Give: 3,34,01
